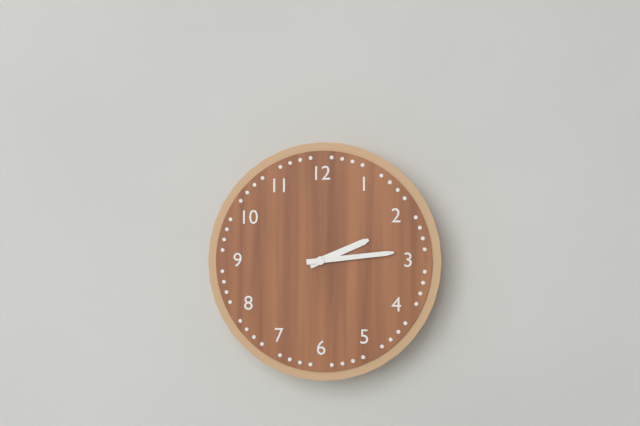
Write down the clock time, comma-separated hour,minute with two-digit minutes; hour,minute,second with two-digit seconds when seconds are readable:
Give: 2,14
